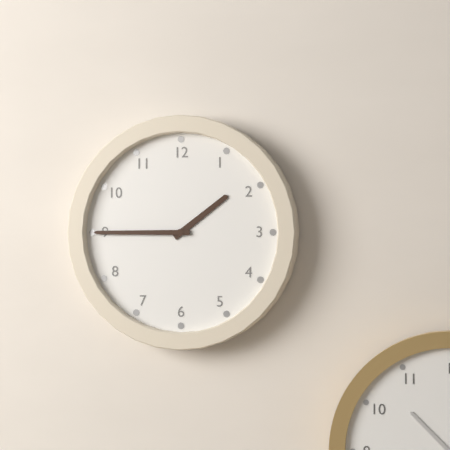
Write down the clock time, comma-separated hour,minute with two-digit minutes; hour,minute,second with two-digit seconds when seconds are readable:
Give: 1,45
